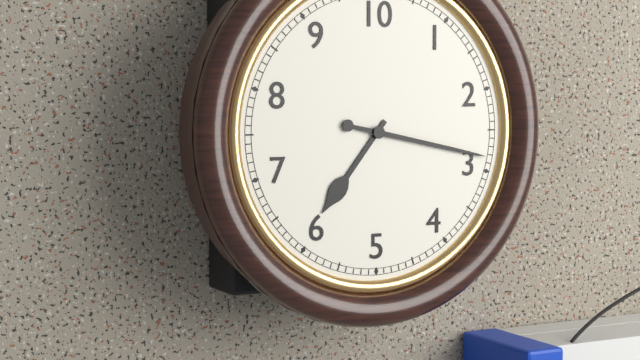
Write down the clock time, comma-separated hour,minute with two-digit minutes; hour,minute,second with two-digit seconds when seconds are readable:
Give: 7,17
